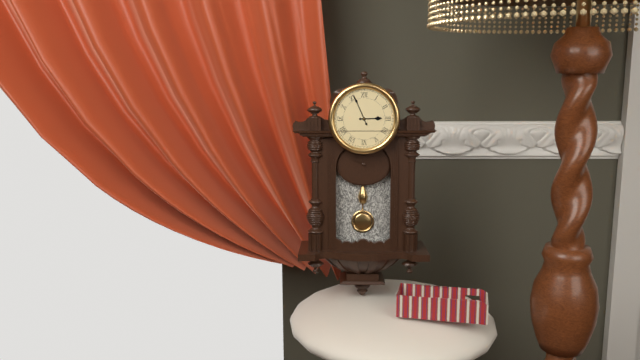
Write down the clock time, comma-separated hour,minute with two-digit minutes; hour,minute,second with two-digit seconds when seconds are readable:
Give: 2,56
